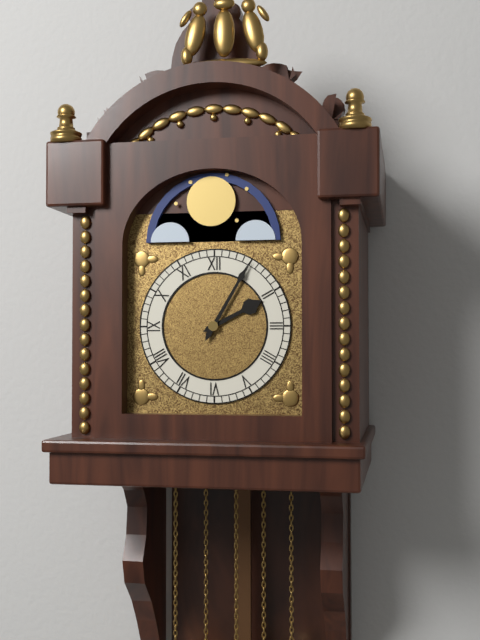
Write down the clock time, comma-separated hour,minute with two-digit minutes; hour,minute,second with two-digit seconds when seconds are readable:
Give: 2,05
